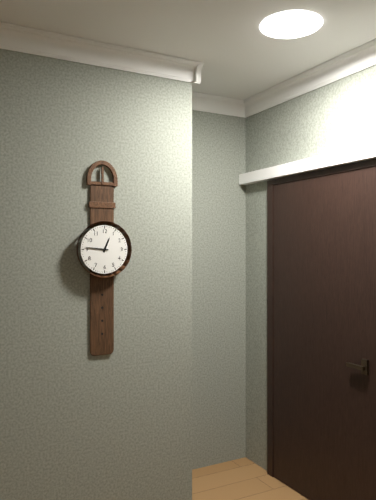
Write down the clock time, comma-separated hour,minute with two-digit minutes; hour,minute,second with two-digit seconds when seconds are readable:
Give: 12,46
